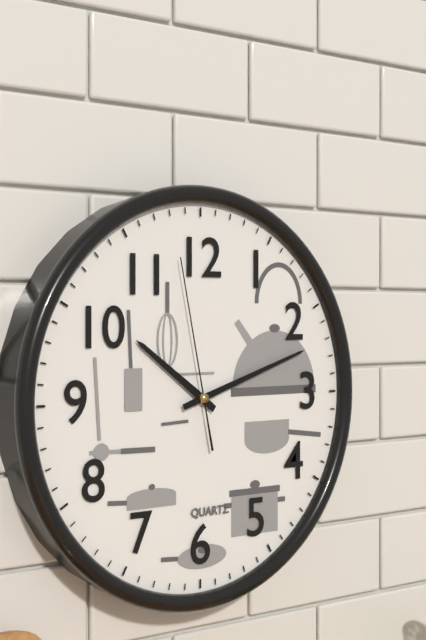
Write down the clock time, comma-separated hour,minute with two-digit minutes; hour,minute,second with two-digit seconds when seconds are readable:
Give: 10,12,58
